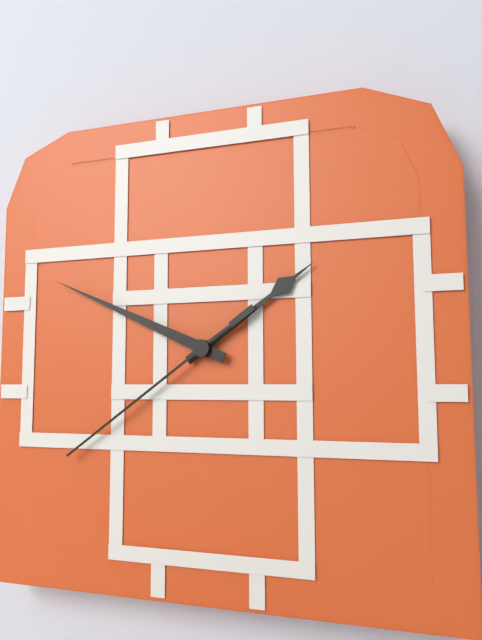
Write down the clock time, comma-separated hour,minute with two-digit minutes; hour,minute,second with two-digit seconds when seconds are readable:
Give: 1,49,39
